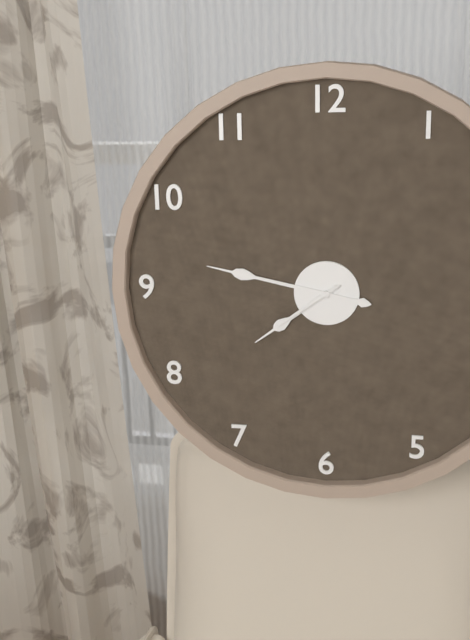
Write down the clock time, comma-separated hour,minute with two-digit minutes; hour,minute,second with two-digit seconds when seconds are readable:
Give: 7,47,39
